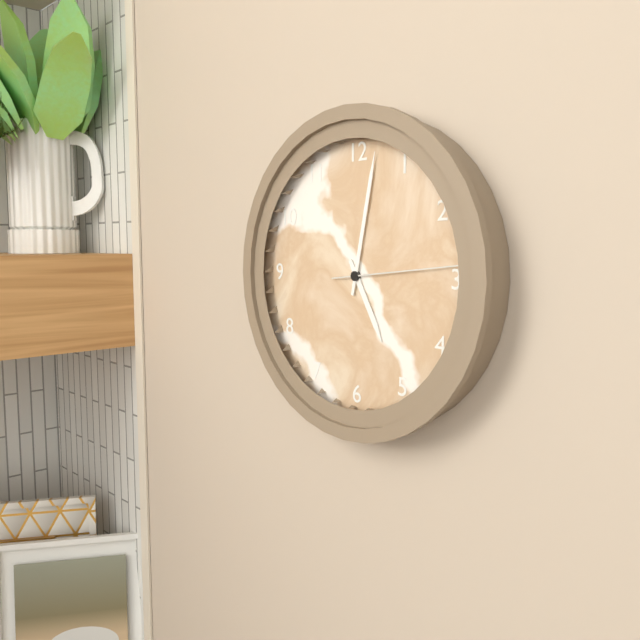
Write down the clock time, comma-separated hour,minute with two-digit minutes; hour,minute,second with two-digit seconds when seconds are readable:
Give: 5,02,14
